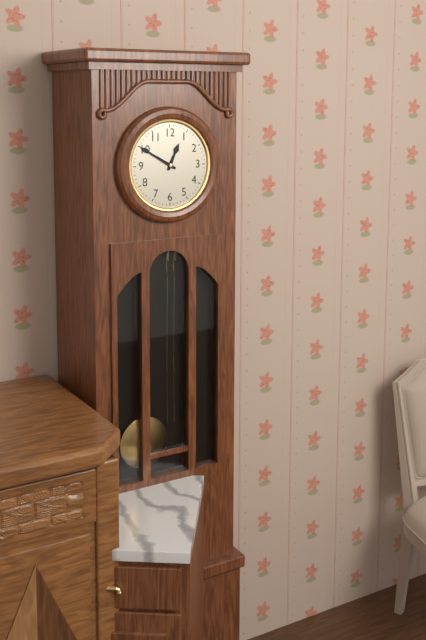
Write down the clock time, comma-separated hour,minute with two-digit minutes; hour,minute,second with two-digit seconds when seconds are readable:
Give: 12,50
